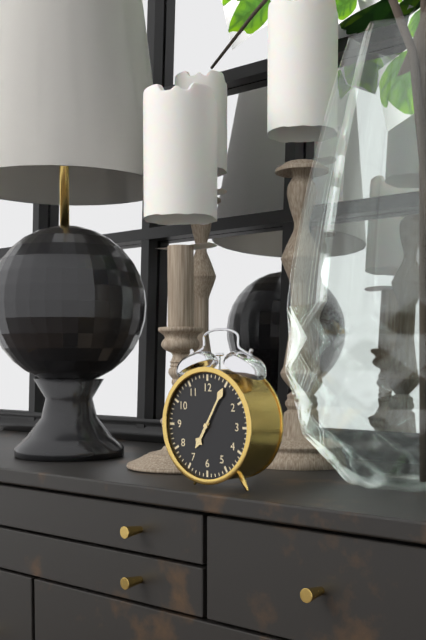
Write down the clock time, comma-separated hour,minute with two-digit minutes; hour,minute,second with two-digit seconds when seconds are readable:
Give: 7,05
